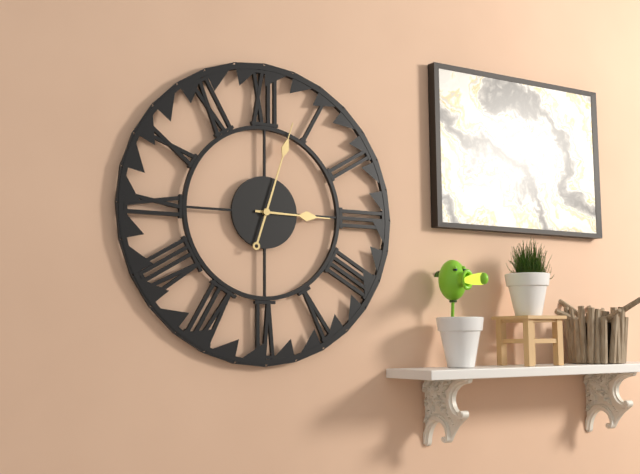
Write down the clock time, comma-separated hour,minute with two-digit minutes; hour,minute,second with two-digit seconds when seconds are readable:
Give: 3,03
